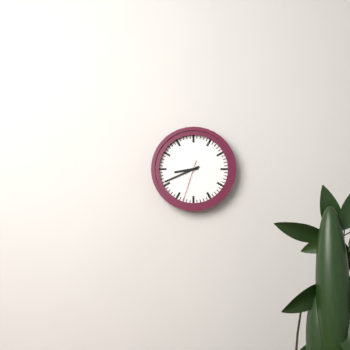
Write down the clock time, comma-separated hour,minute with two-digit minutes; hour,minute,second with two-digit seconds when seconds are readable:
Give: 8,41
